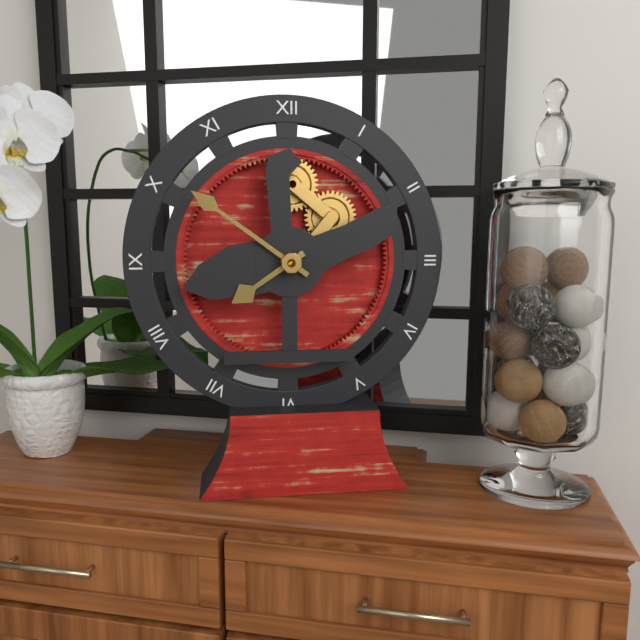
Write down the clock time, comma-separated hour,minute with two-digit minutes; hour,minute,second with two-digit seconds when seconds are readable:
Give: 7,51
